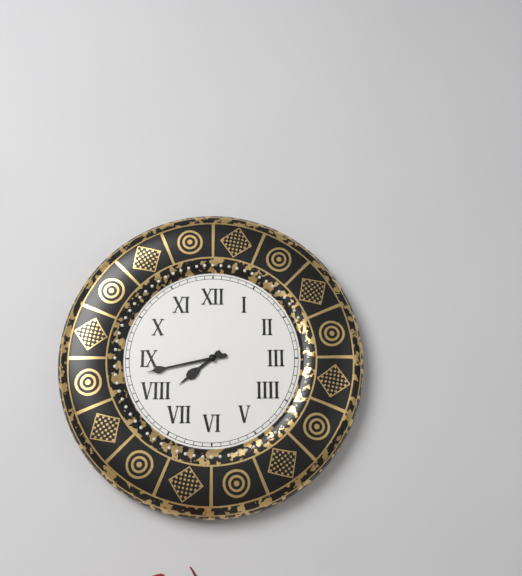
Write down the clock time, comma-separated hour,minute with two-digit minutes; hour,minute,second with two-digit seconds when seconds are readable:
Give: 7,43
